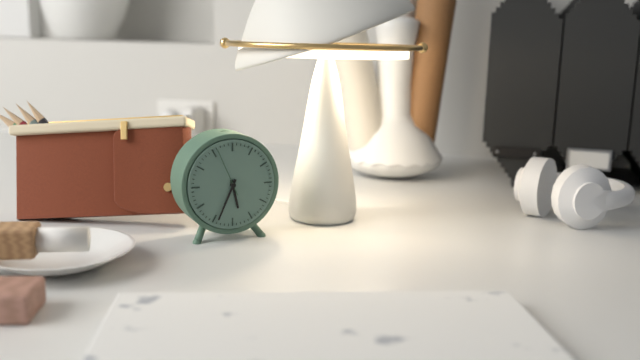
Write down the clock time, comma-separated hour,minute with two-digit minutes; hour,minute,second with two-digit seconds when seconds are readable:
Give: 5,34
